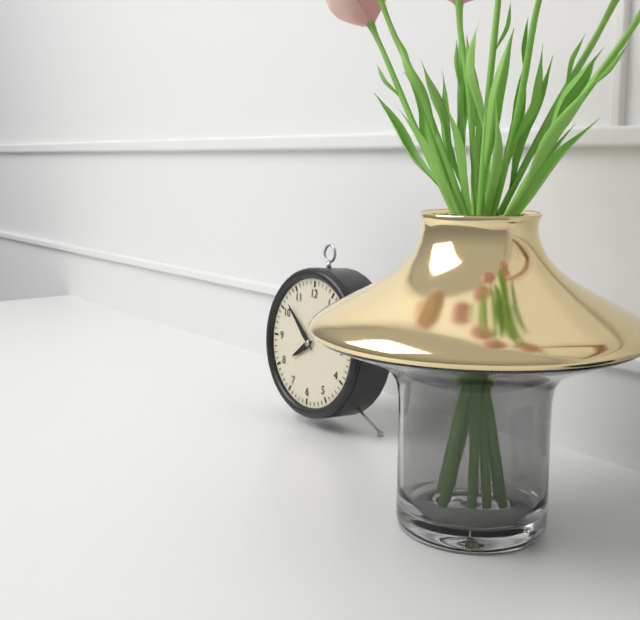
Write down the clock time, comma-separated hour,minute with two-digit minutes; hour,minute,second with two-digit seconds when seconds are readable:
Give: 7,52
